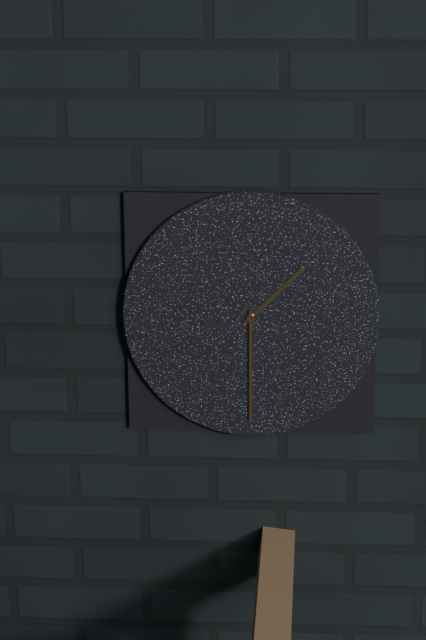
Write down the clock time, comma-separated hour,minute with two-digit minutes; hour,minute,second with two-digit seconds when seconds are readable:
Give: 1,30
